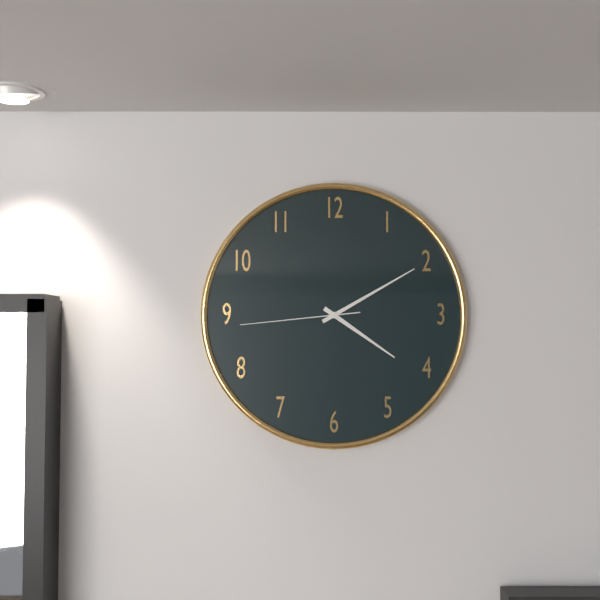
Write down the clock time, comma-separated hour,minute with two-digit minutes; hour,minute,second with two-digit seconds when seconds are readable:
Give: 4,10,44
